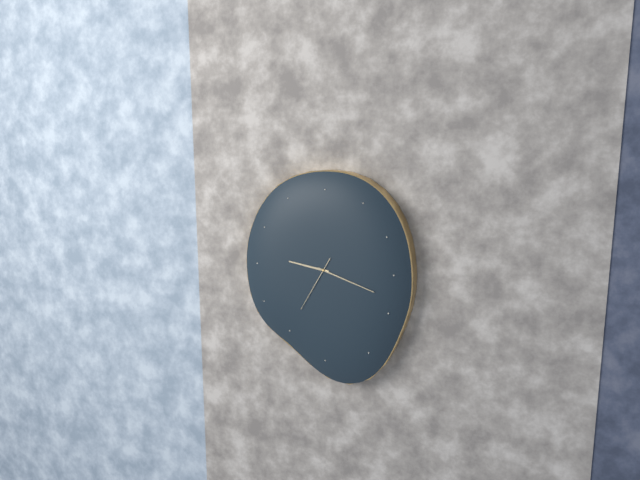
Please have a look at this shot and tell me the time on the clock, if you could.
9:18:35
